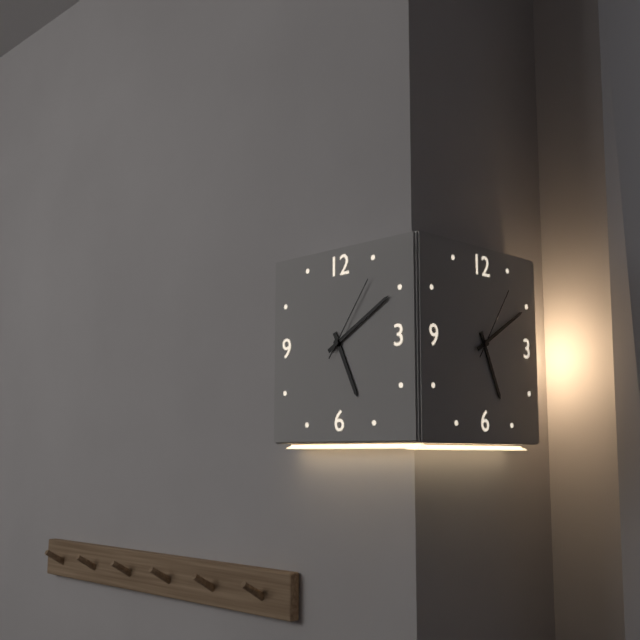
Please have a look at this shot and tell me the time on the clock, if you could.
5:10:06
